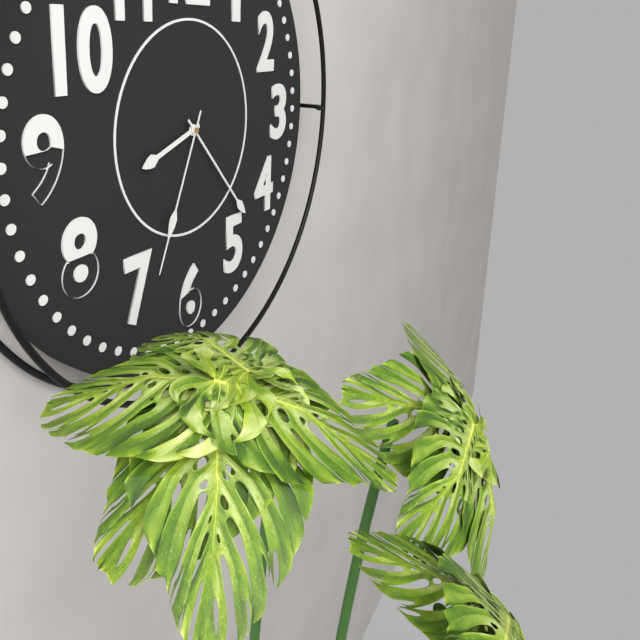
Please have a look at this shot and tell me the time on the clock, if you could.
8:23:34
